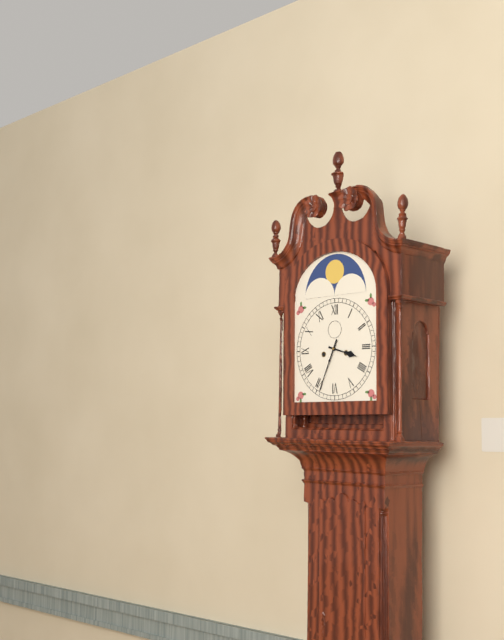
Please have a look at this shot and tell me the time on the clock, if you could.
3:34
